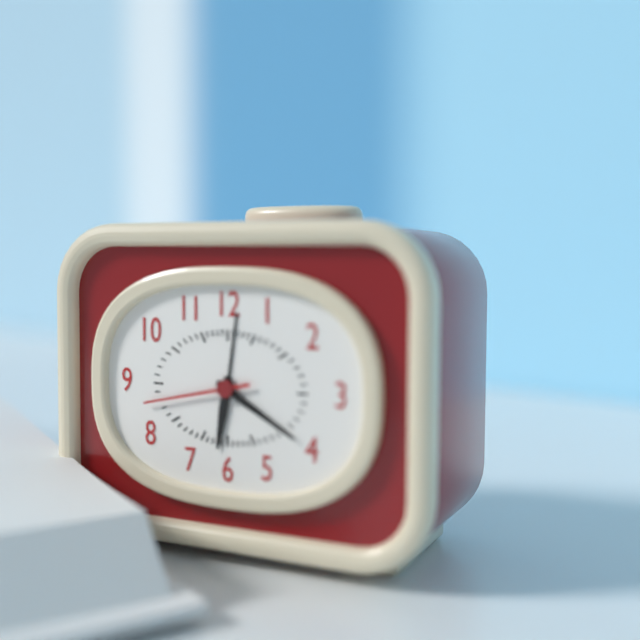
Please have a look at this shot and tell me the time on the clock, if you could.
6:20:43
